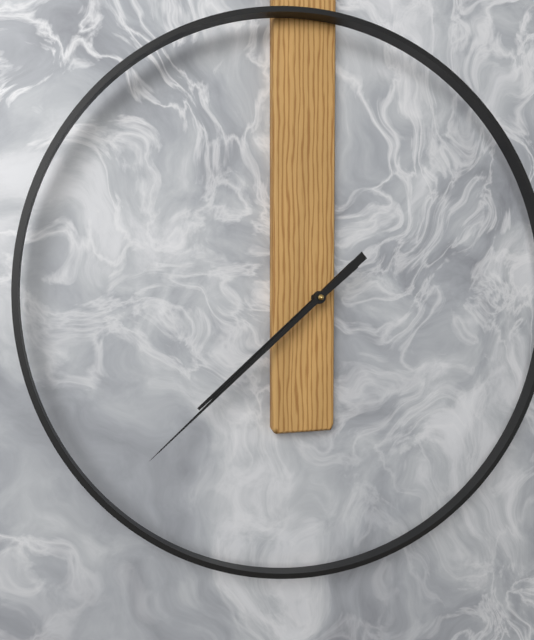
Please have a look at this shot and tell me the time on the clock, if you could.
7:38
